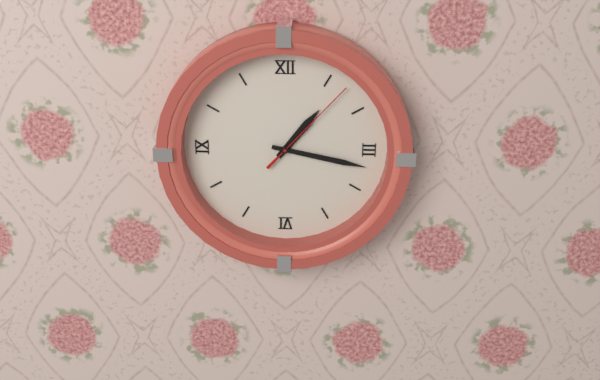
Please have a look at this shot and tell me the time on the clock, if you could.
1:17:07
